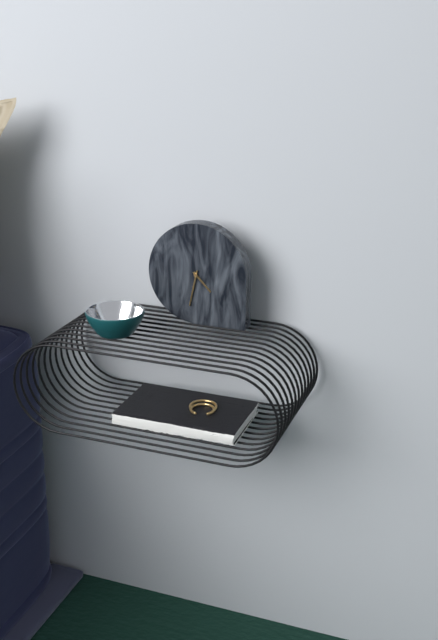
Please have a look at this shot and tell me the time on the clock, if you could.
4:32
